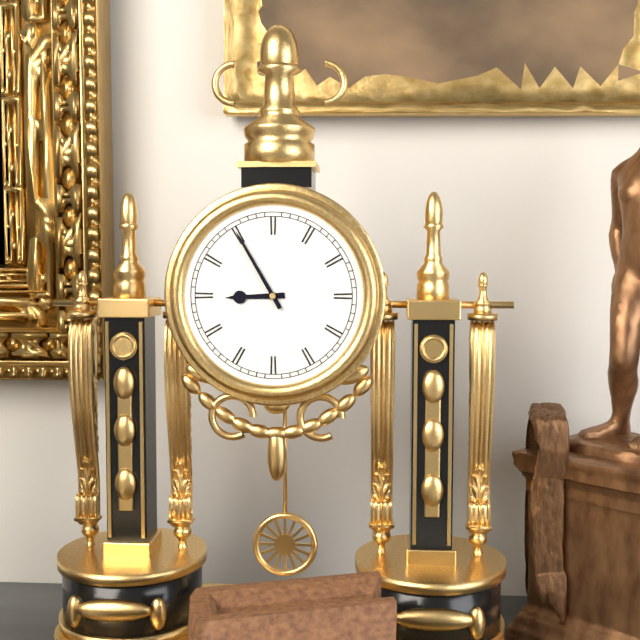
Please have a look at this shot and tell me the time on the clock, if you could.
8:55
